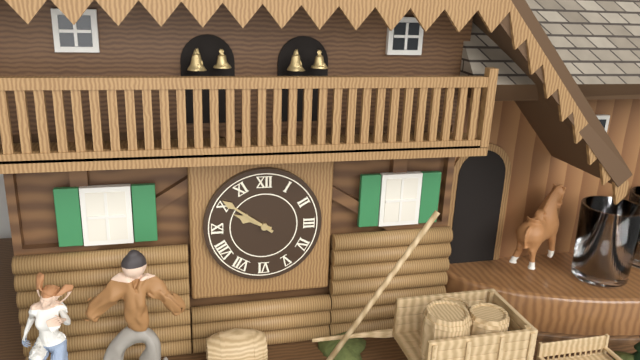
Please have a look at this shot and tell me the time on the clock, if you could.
9:51
